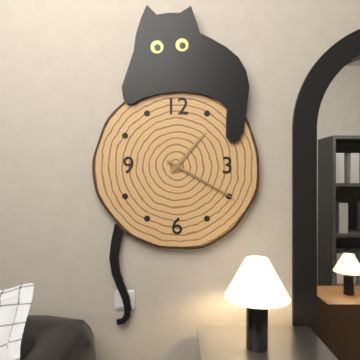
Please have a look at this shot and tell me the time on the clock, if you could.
1:20
